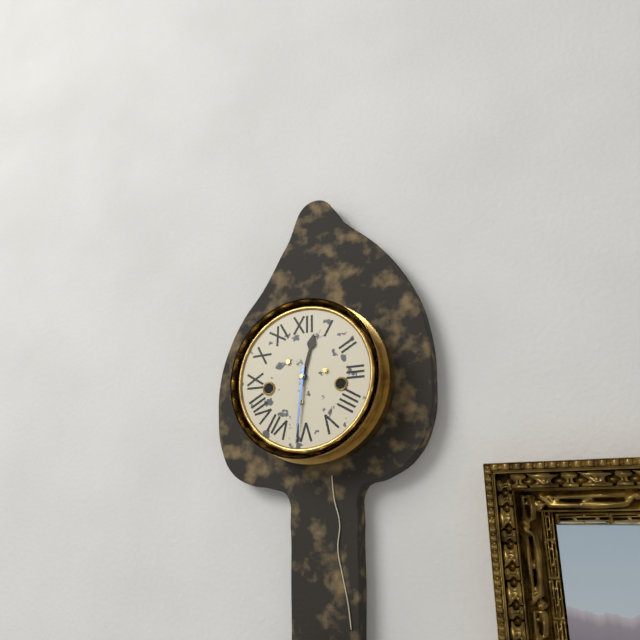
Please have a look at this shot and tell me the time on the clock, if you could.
12:31
